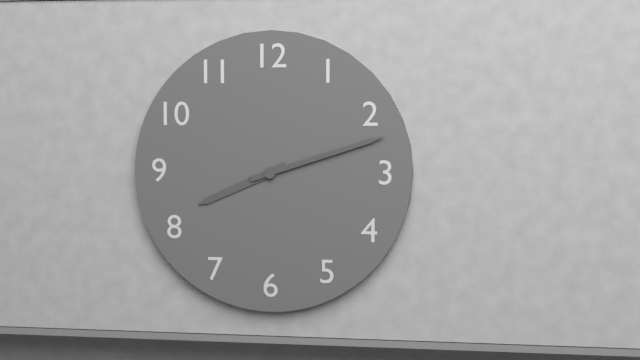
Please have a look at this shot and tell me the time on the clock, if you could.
8:12
